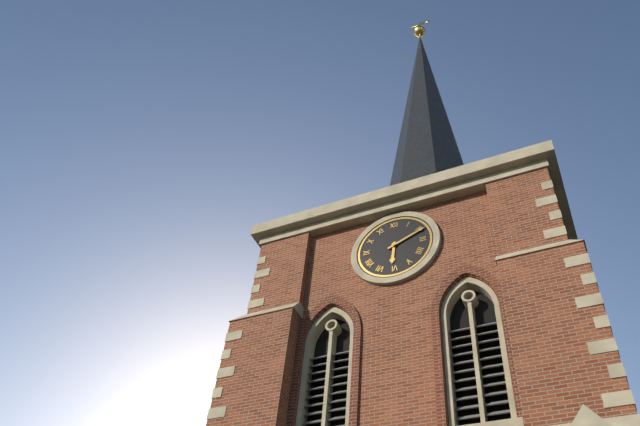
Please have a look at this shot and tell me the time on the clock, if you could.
6:11
